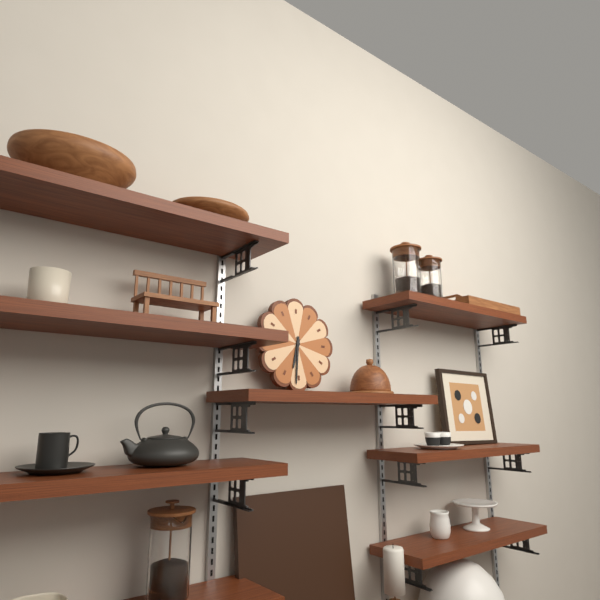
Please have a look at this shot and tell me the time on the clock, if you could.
6:31
